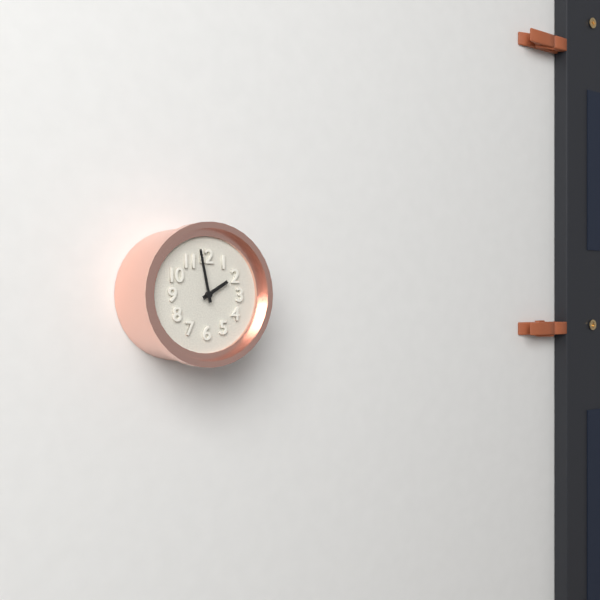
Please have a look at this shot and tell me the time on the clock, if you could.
1:58
